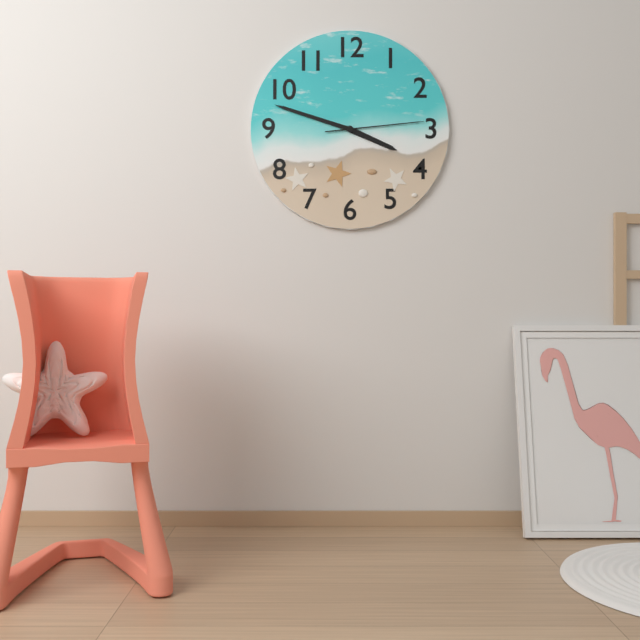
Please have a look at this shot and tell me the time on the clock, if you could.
3:48:14
